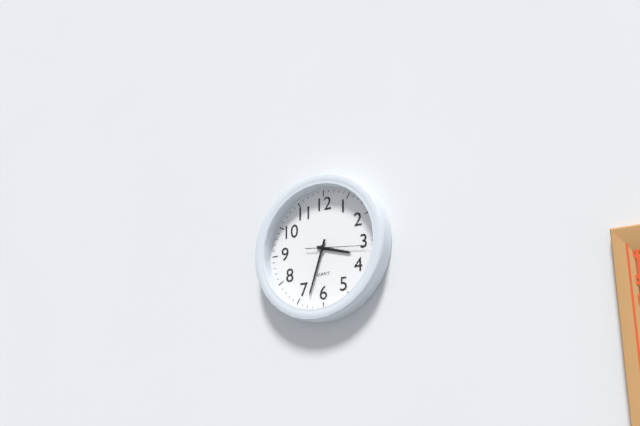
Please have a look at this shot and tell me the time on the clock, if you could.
3:33:16
